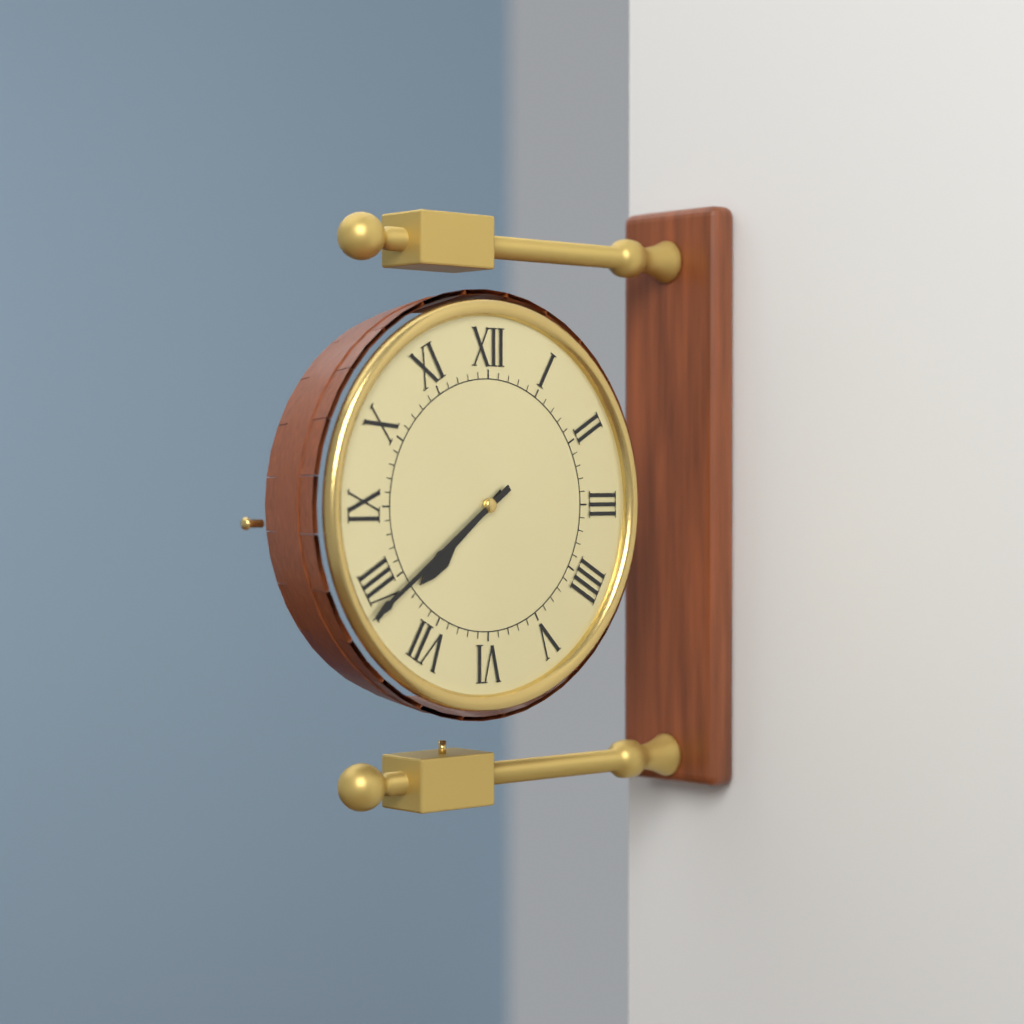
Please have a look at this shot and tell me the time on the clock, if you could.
7:39
